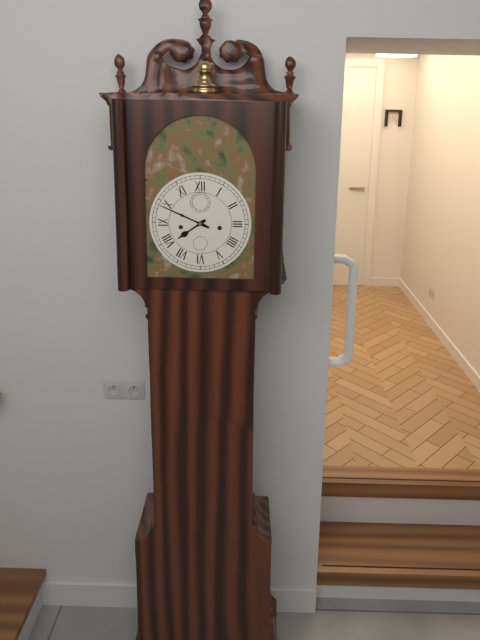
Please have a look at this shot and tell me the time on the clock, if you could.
7:49
